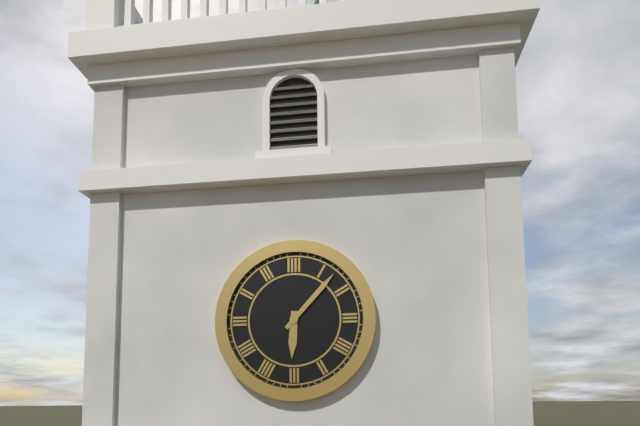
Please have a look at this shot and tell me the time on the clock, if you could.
6:07
